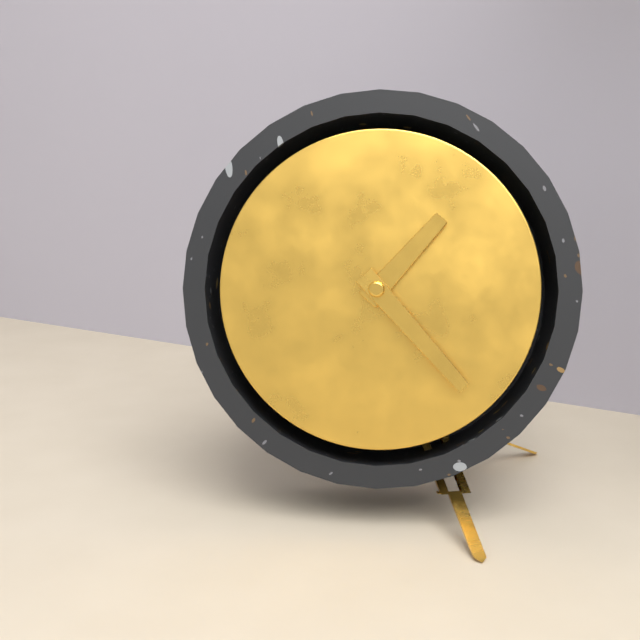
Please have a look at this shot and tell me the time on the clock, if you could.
1:23
